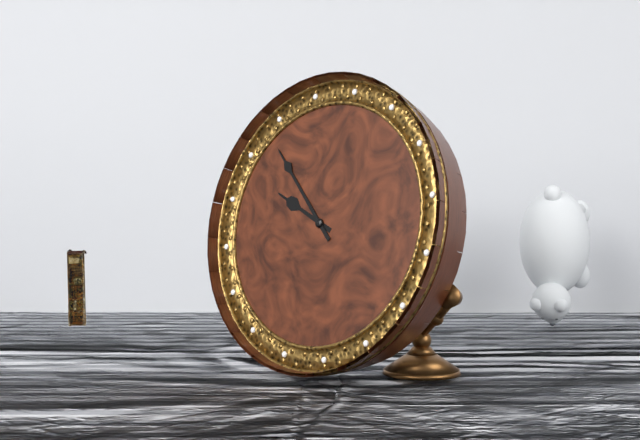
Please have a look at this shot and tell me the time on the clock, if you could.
9:53
